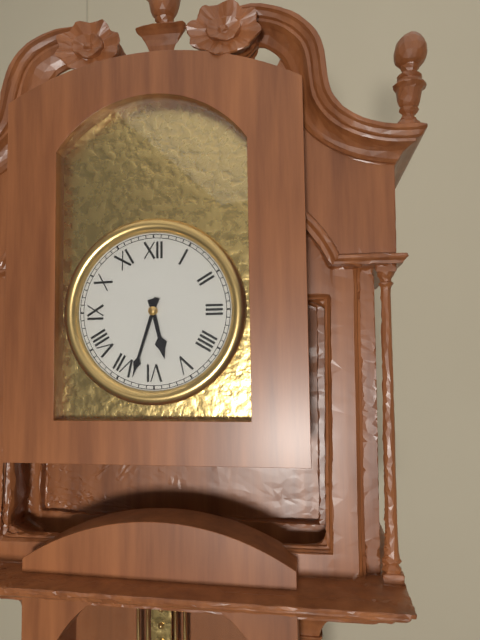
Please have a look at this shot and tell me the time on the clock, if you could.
5:33
